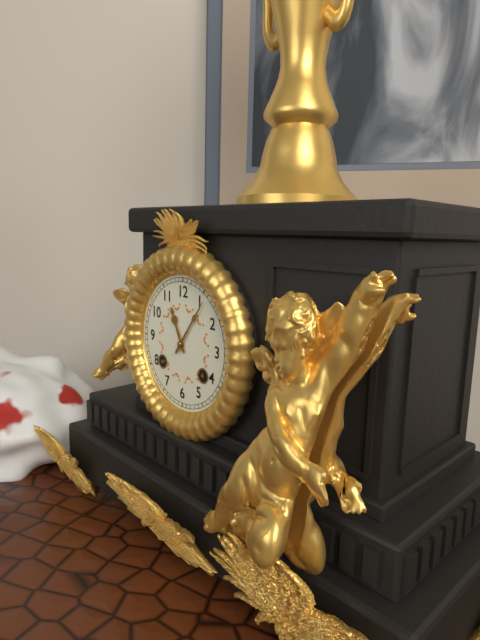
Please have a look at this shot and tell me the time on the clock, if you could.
11:06
